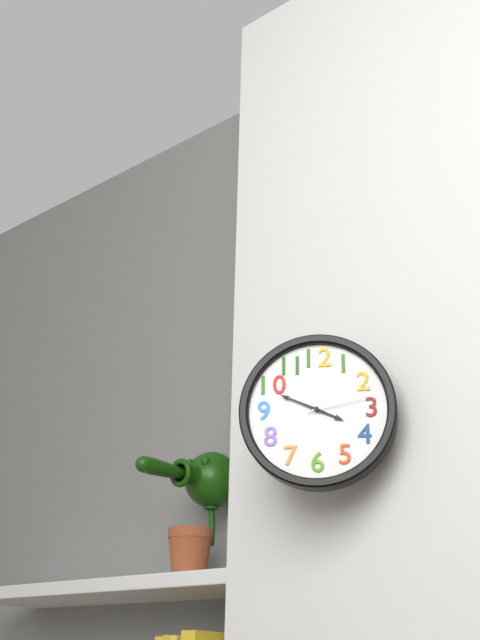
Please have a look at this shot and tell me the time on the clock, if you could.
3:49:13
